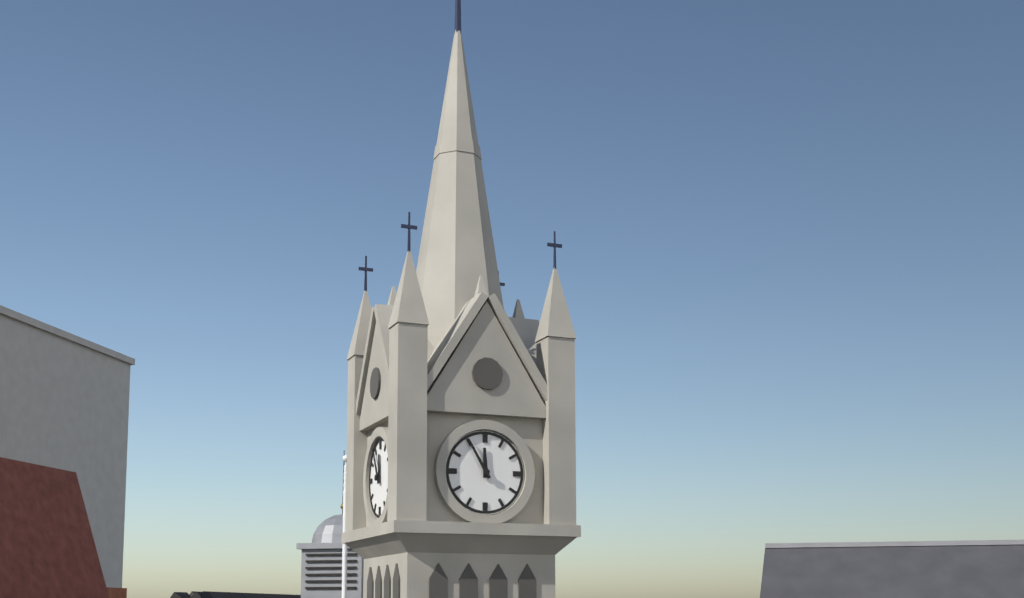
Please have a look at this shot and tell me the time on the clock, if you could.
11:55
